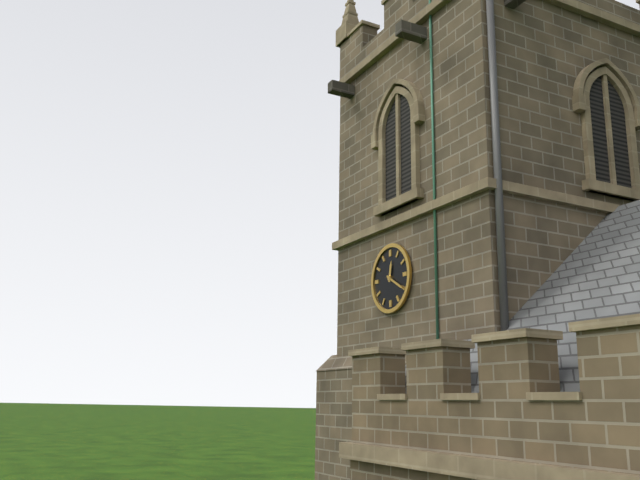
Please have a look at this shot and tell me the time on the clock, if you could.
12:20
